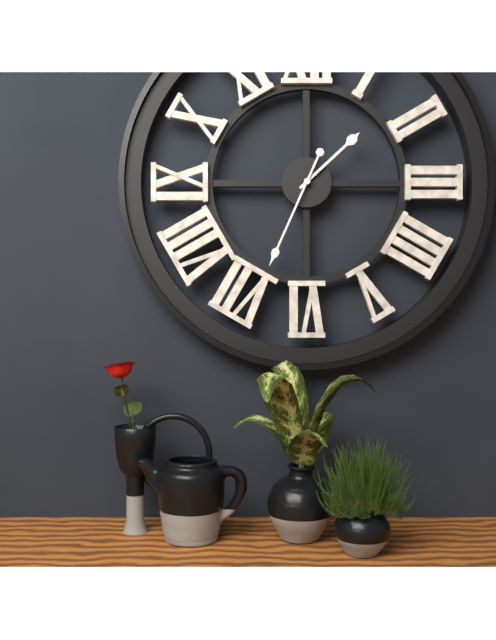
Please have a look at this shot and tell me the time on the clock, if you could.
1:34
